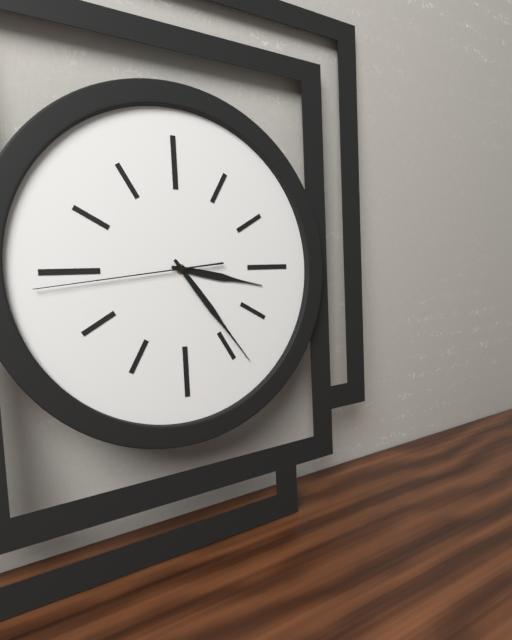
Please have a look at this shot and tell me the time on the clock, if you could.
3:24:44
